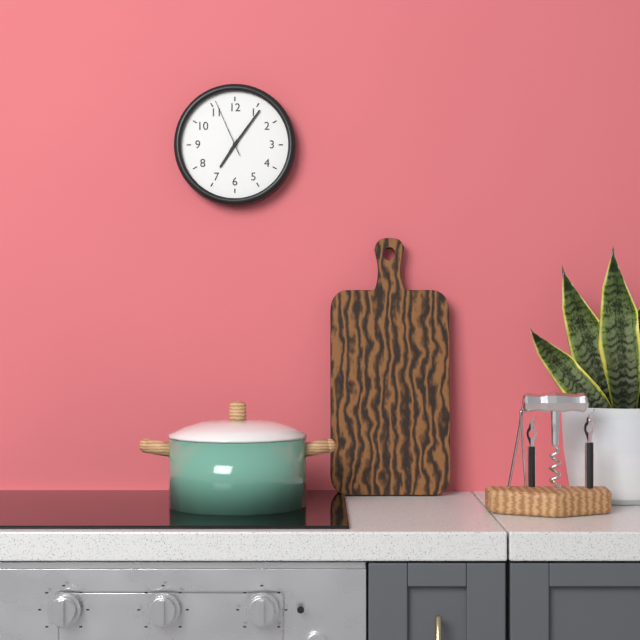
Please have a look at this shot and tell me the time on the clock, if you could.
7:06:56
